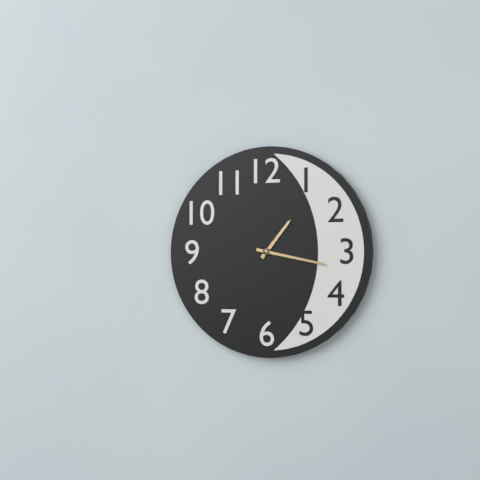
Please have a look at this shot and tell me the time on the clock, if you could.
1:17
